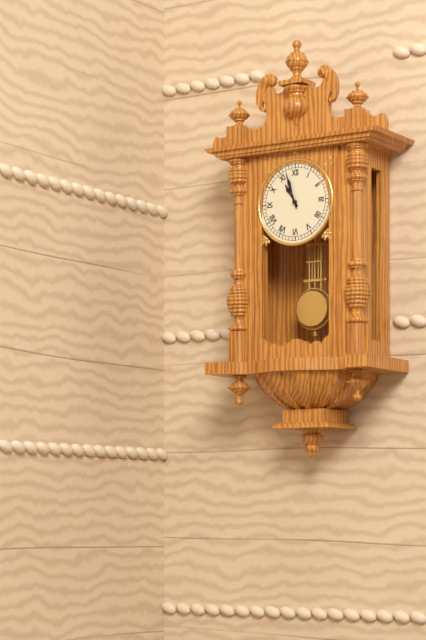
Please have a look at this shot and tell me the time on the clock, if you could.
10:57
